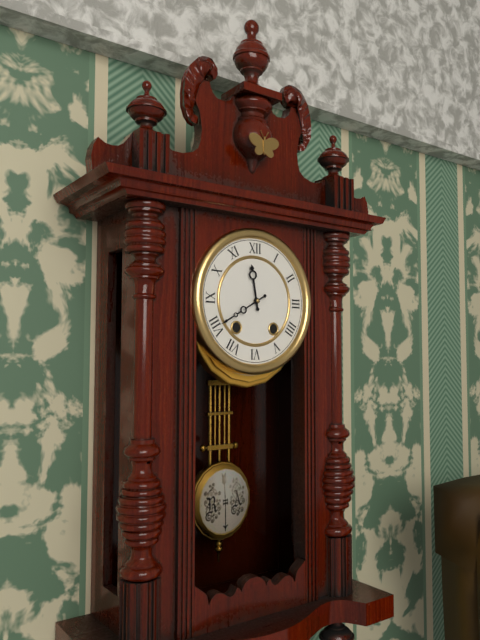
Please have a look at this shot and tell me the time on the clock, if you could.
11:40
